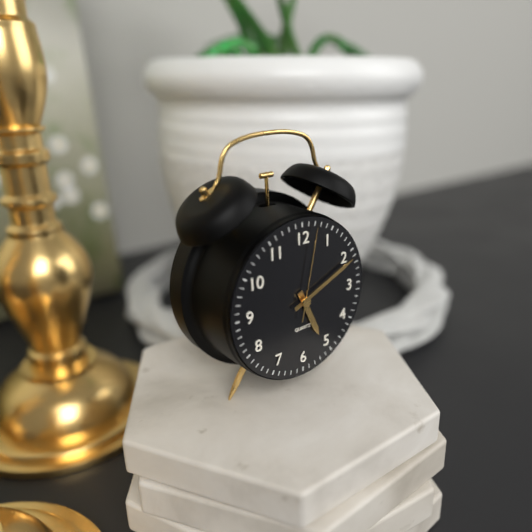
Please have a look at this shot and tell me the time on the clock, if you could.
5:11:02
